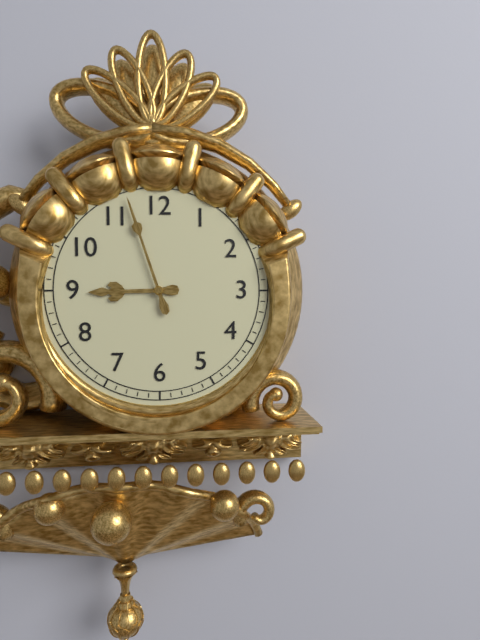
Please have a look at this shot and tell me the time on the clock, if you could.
8:57
